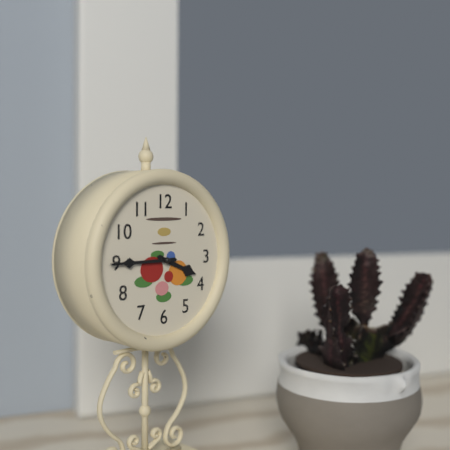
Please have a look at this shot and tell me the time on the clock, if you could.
3:45
